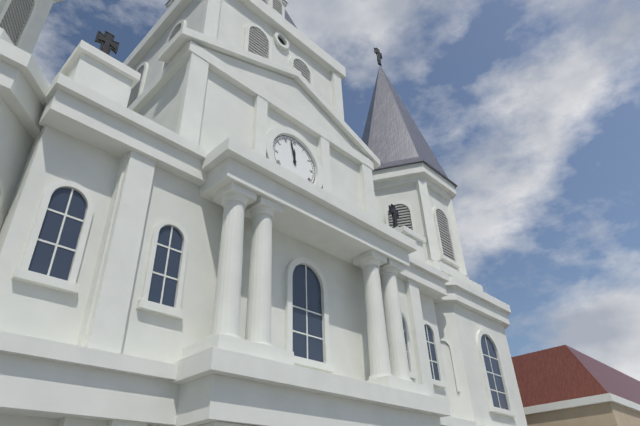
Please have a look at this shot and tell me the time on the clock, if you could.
11:58
